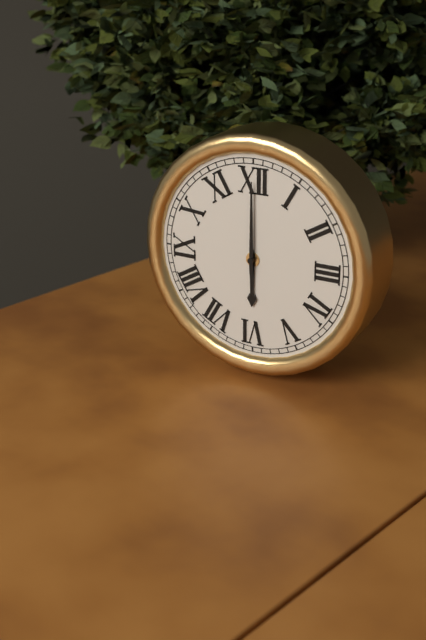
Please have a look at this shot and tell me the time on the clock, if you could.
6:00
